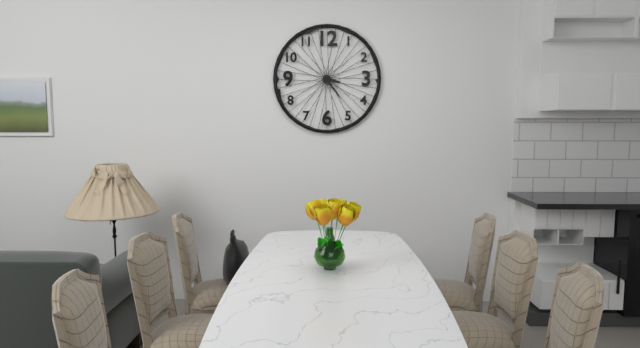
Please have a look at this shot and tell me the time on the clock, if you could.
3:24
